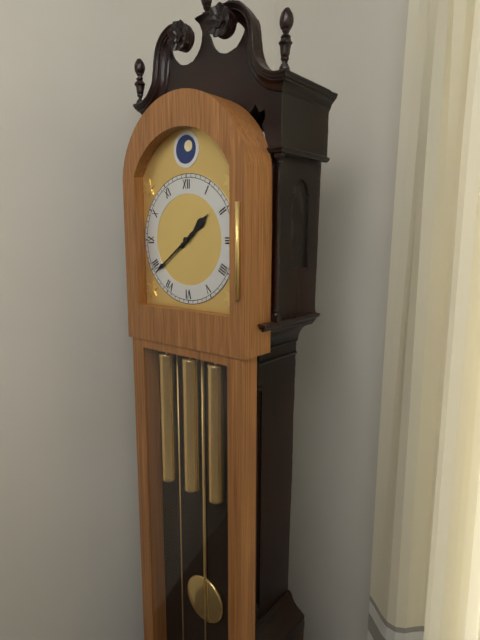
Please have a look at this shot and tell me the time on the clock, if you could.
1:39
